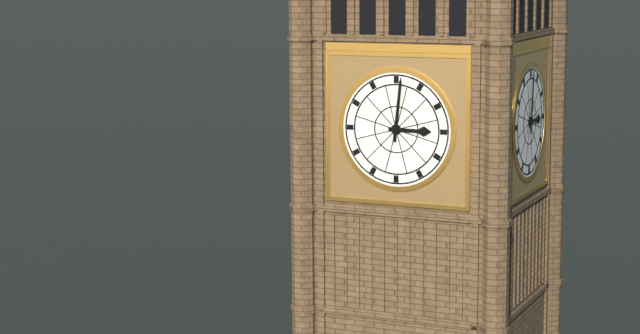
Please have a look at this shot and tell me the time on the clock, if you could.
3:01
